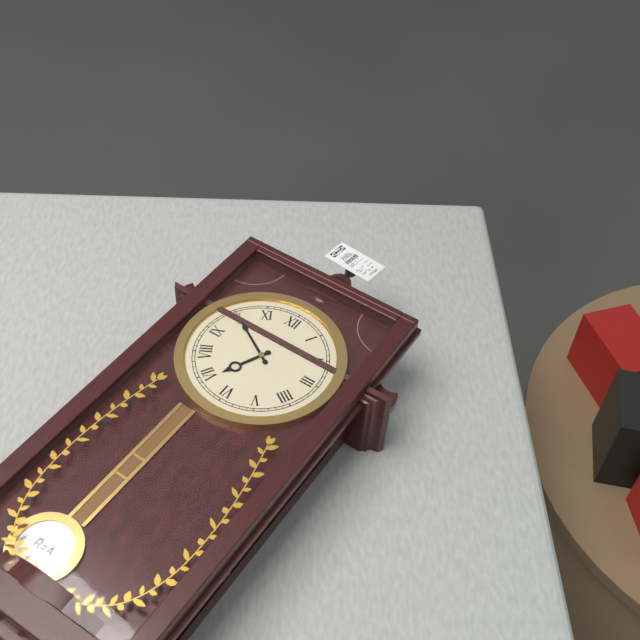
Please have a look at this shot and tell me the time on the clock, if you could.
6:50
